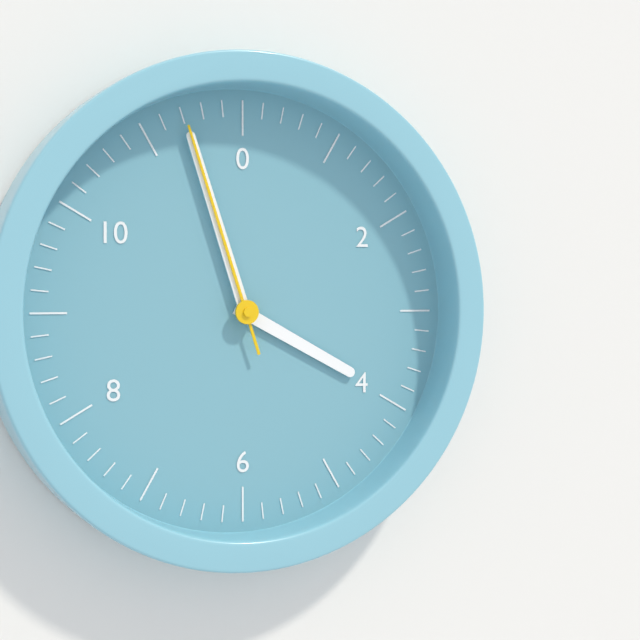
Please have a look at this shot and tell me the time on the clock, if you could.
3:57:57
